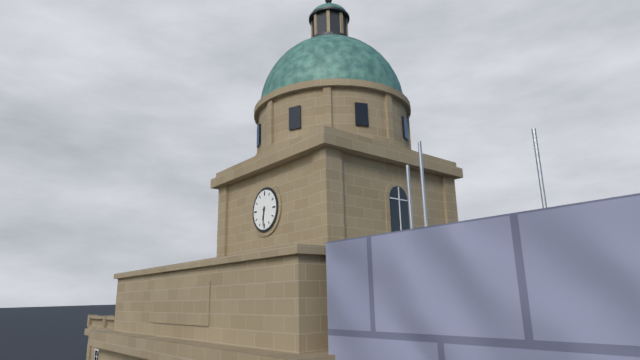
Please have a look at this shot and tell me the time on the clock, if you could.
6:31
